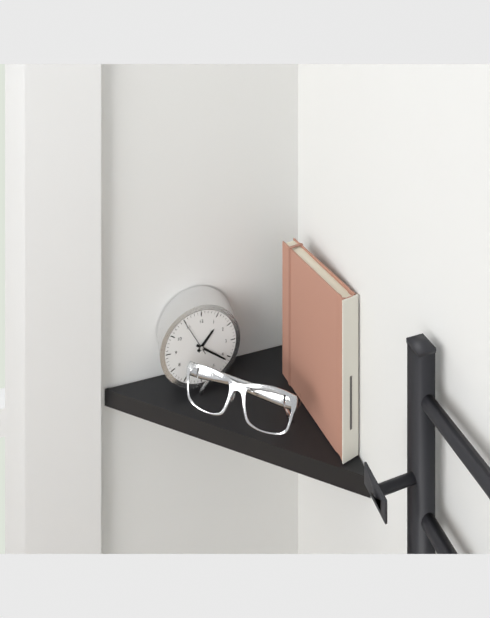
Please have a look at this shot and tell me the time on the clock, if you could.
1:21
